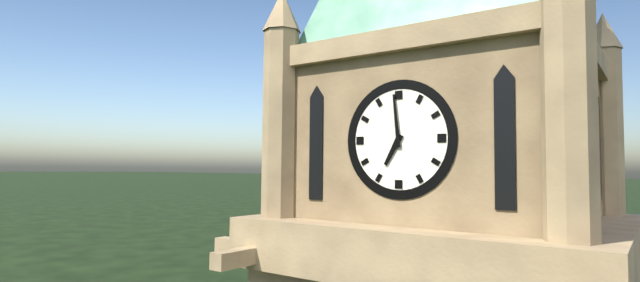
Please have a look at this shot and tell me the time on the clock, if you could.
6:59
